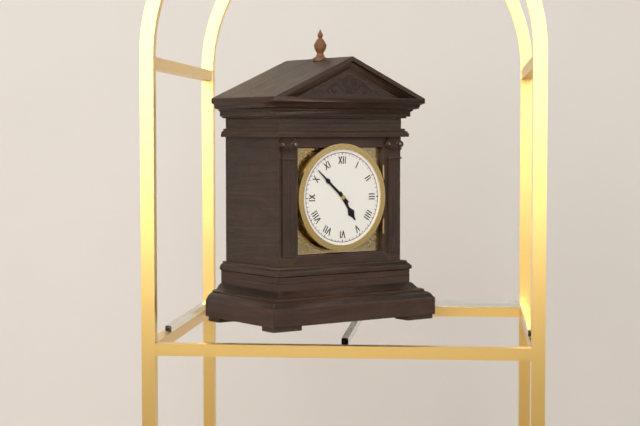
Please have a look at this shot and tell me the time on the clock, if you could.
4:52
